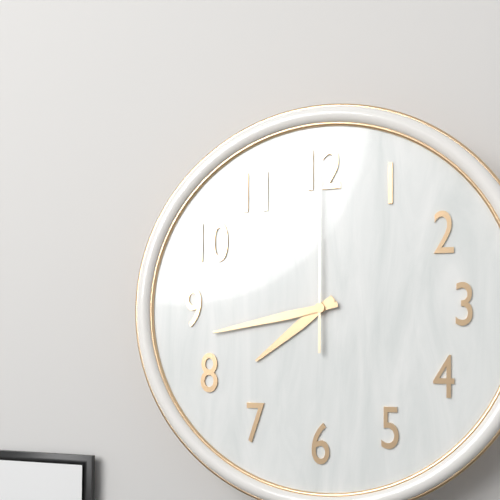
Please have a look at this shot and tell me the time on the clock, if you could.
7:43:00
